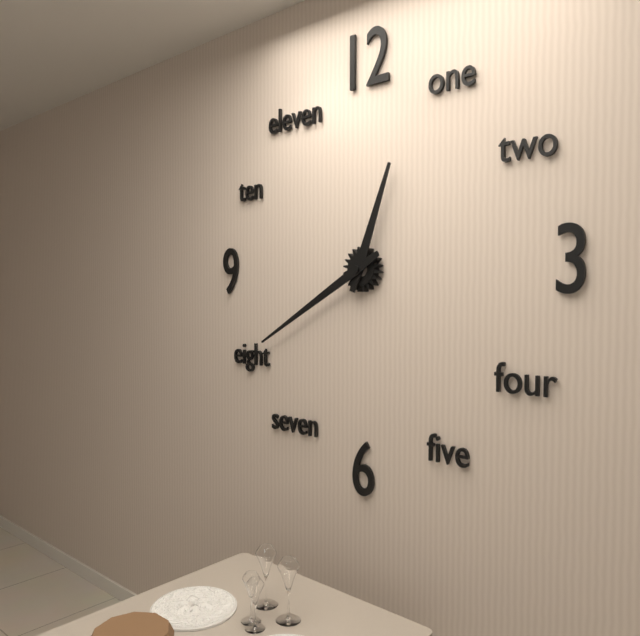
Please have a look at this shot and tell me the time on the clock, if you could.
12:40
